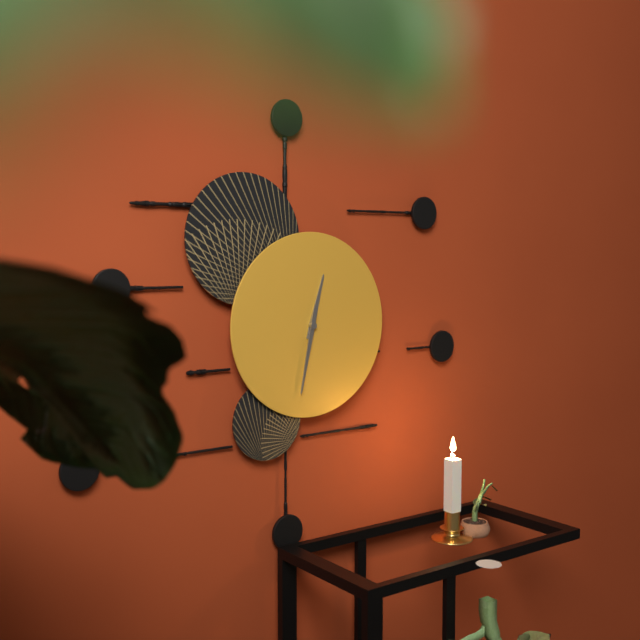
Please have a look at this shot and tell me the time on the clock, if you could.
12:32
